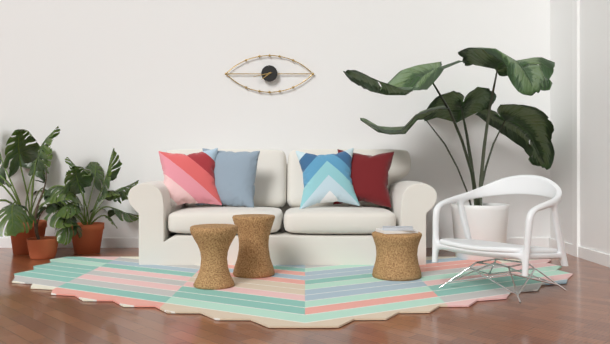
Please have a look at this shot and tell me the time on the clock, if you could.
7:43
